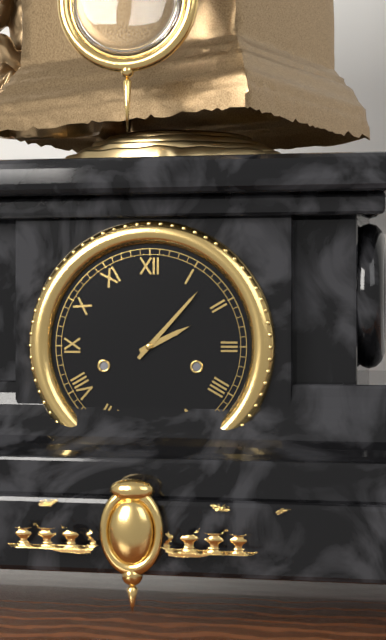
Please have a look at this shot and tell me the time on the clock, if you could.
2:07
